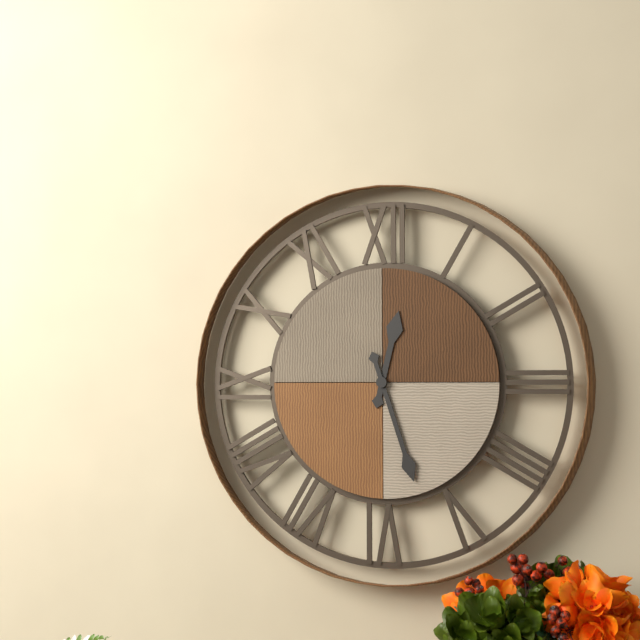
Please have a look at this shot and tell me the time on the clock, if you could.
12:27
